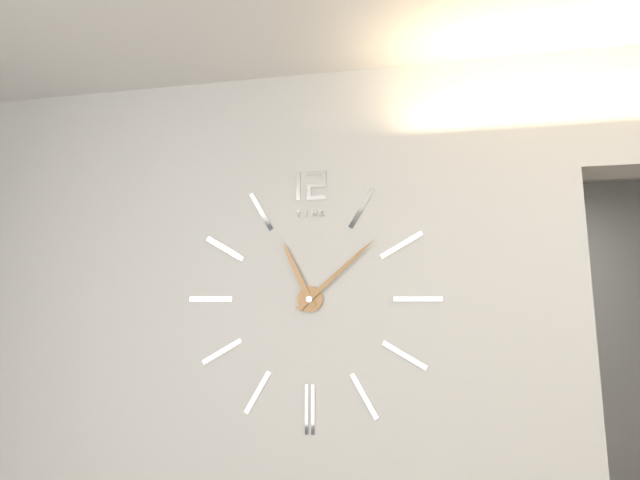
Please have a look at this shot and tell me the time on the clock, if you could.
11:08
